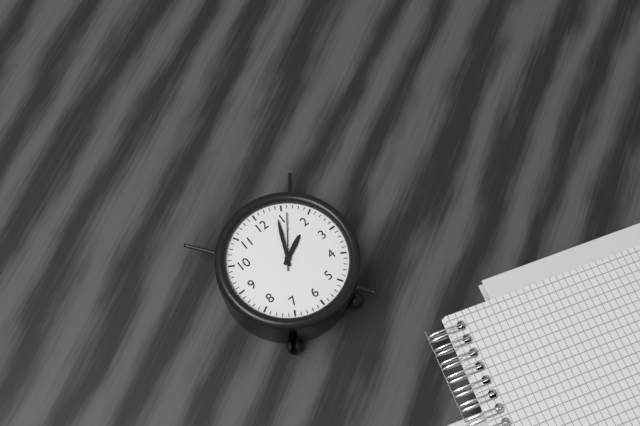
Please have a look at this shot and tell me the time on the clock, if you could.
2:04:06
